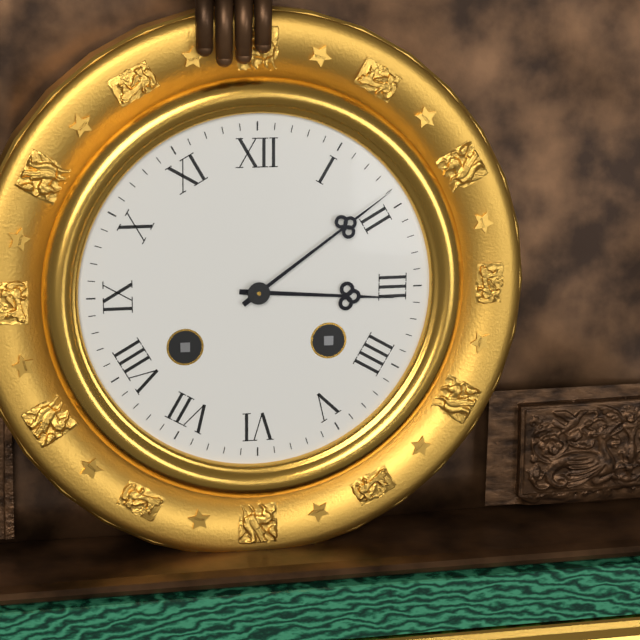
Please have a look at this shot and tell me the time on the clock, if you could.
3:09
